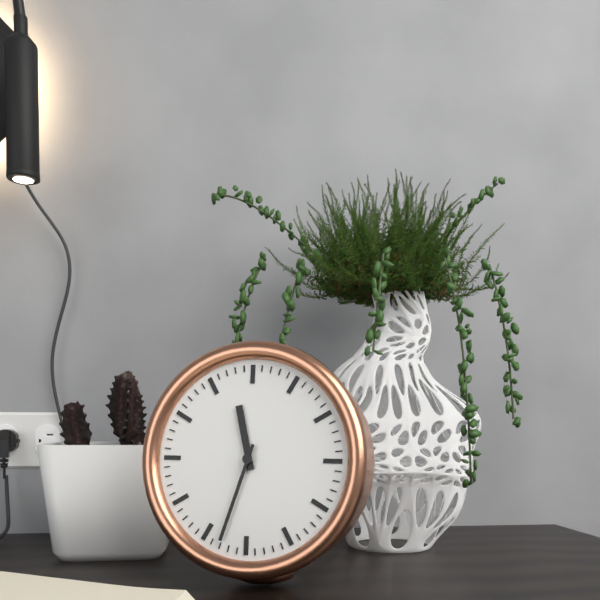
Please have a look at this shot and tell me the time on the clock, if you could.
11:33
